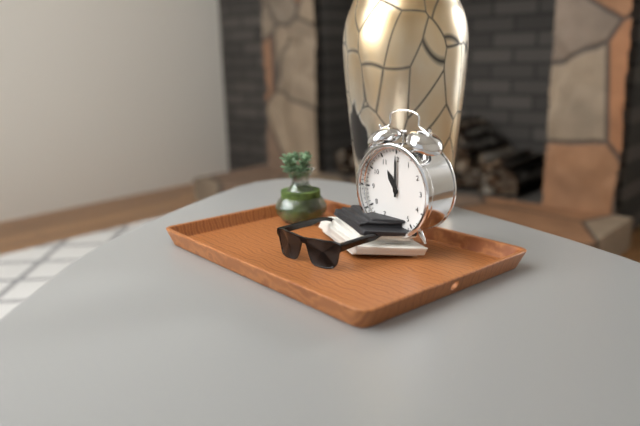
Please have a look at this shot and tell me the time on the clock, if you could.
11:00
